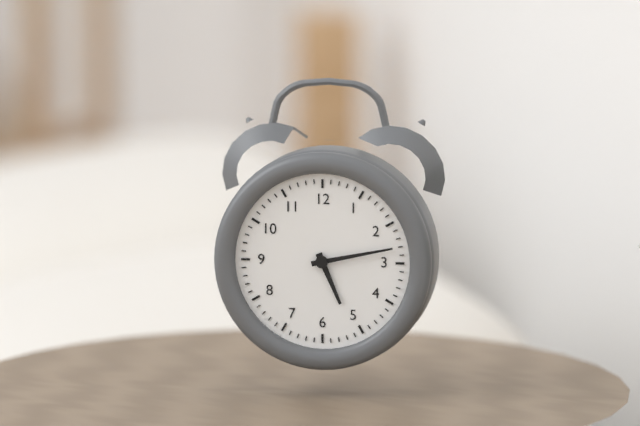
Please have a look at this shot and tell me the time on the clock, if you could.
5:13
